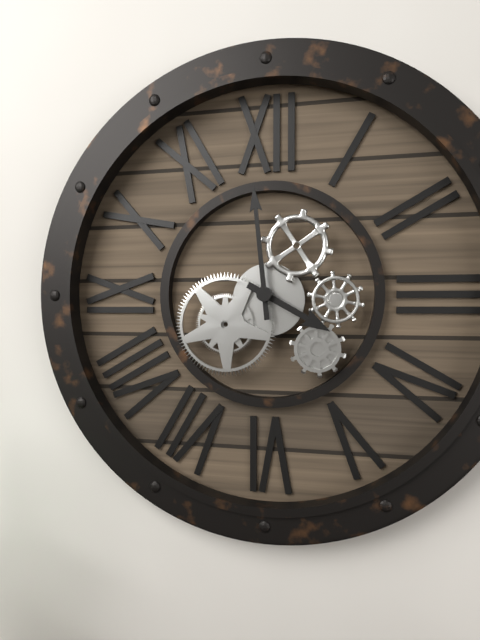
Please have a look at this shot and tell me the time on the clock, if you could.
3:59
